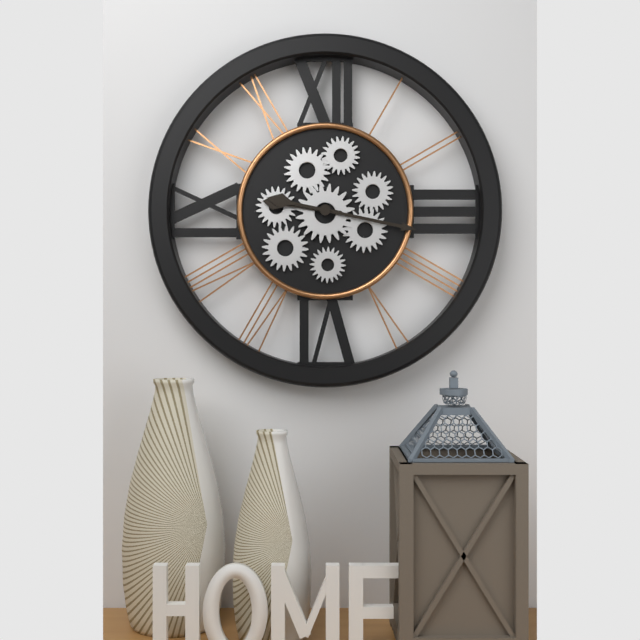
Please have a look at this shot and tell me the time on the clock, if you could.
9:17
